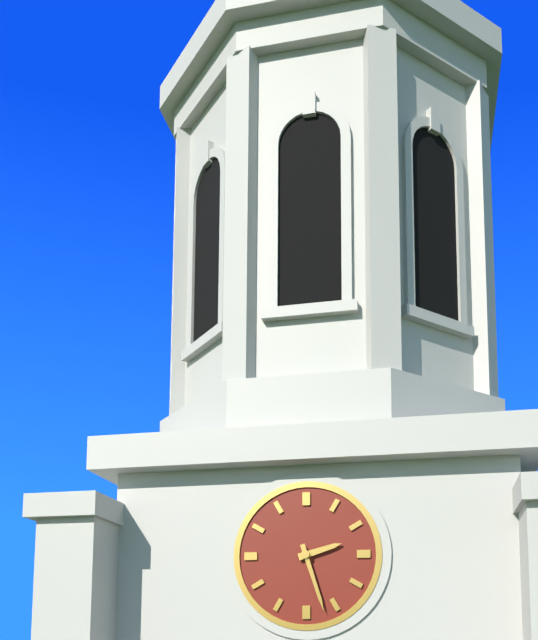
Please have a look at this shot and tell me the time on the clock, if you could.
2:27
